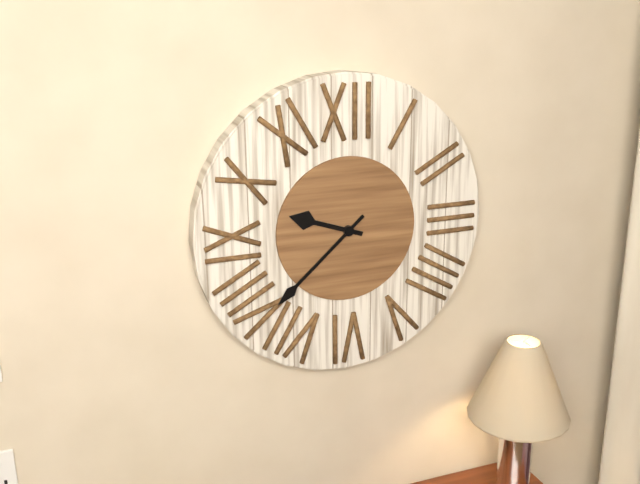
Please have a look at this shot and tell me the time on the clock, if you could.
9:38
